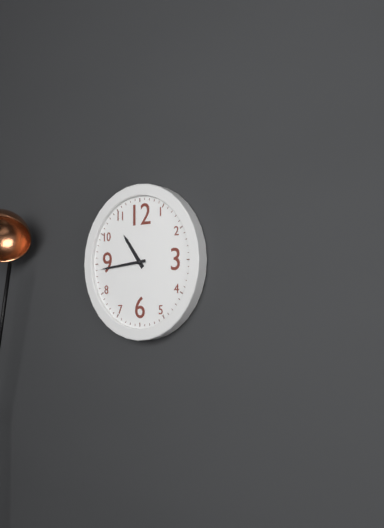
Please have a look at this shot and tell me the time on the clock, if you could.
10:44
